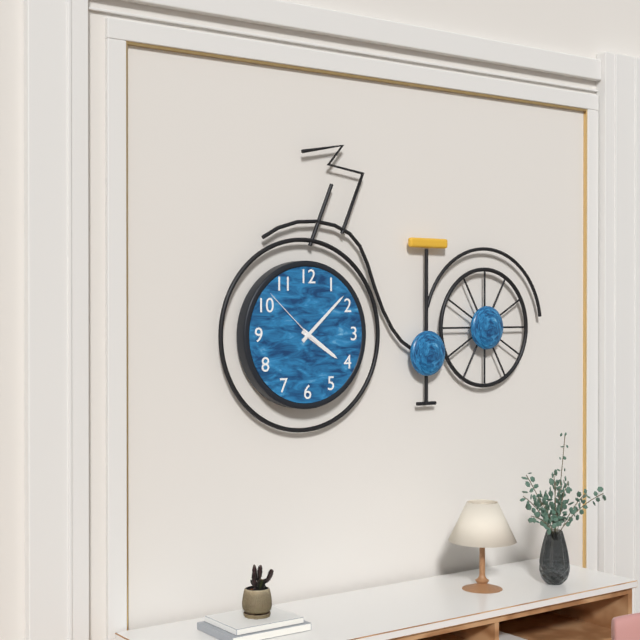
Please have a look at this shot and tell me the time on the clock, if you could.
4:08:52
